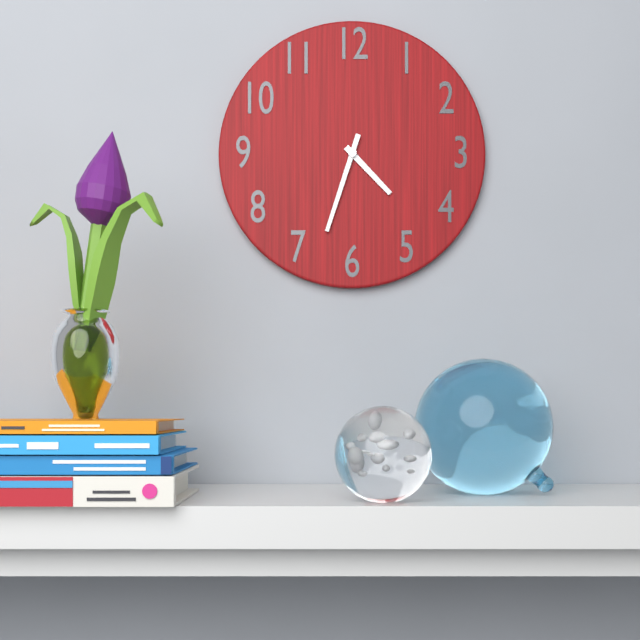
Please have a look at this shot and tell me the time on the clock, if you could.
4:33
